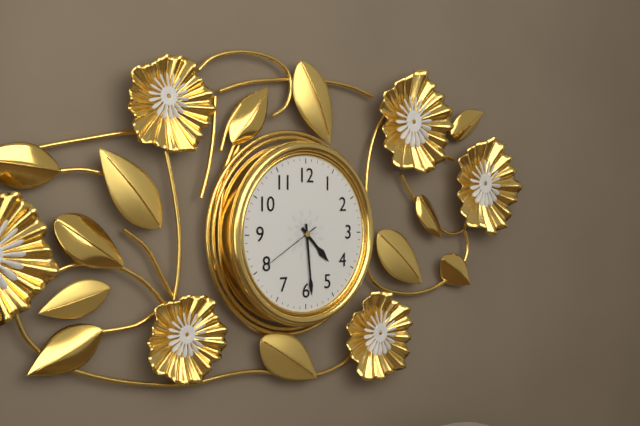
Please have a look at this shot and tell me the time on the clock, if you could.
4:29:40
